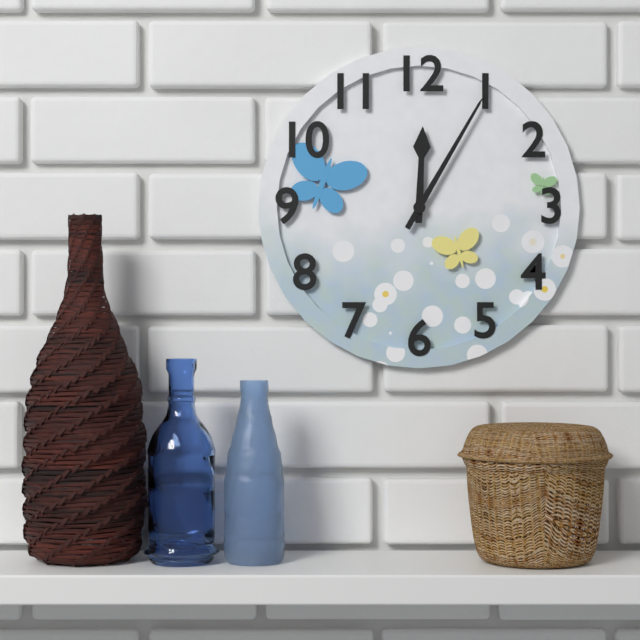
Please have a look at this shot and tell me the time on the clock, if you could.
12:05
